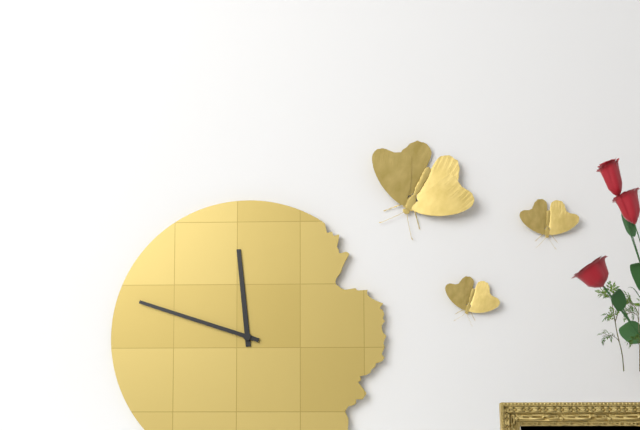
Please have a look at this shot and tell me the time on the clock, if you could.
11:48
